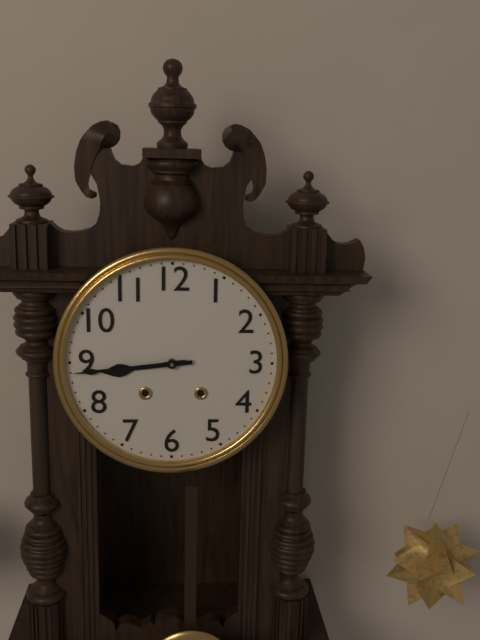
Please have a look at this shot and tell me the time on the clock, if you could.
8:44
